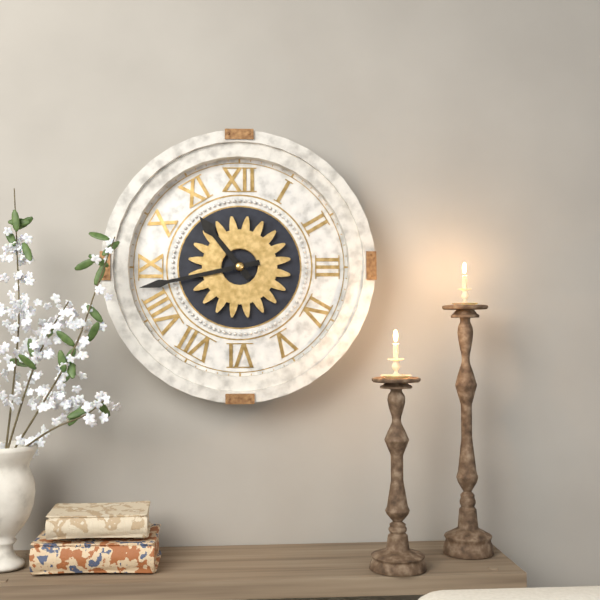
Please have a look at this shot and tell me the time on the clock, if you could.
10:43
